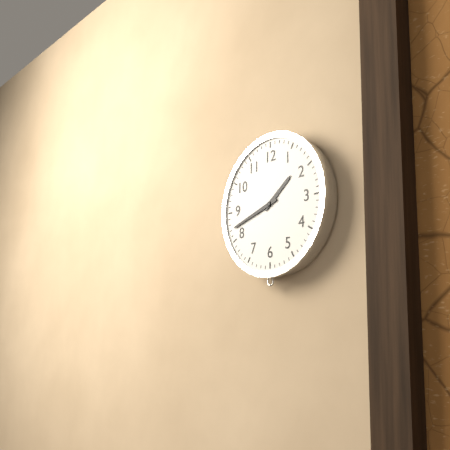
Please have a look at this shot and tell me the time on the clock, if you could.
1:42
